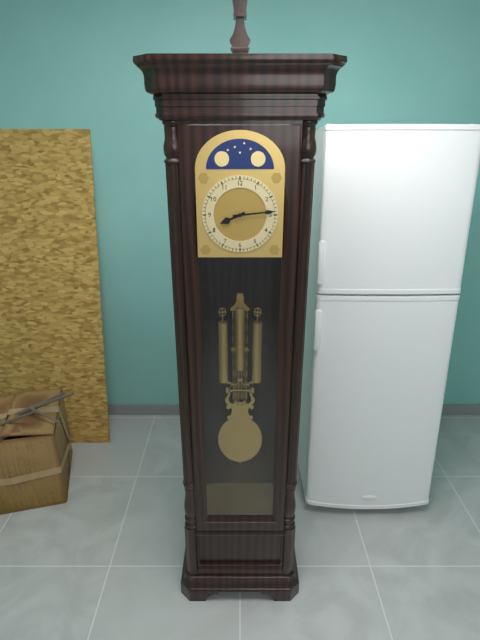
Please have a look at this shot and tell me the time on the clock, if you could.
8:14
